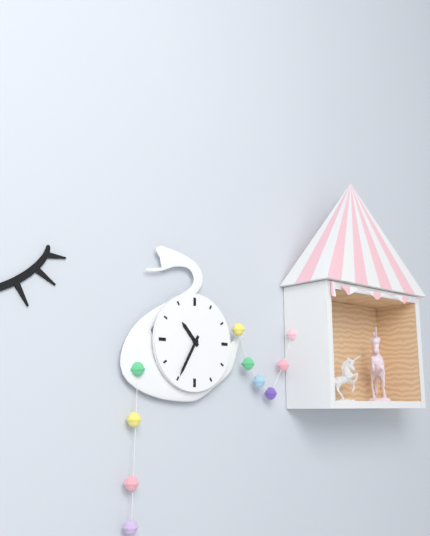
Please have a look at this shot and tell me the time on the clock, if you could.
10:35
